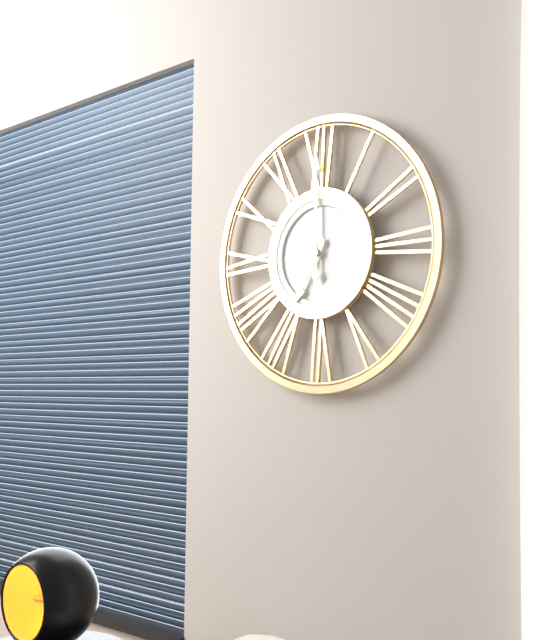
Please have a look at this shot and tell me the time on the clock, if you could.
7:00
